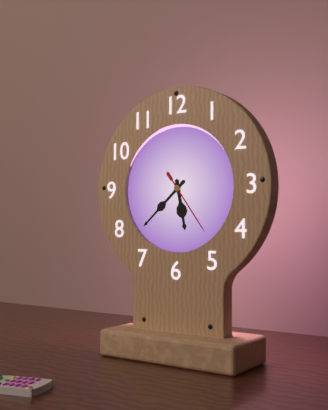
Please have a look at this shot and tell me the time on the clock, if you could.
5:38:24
